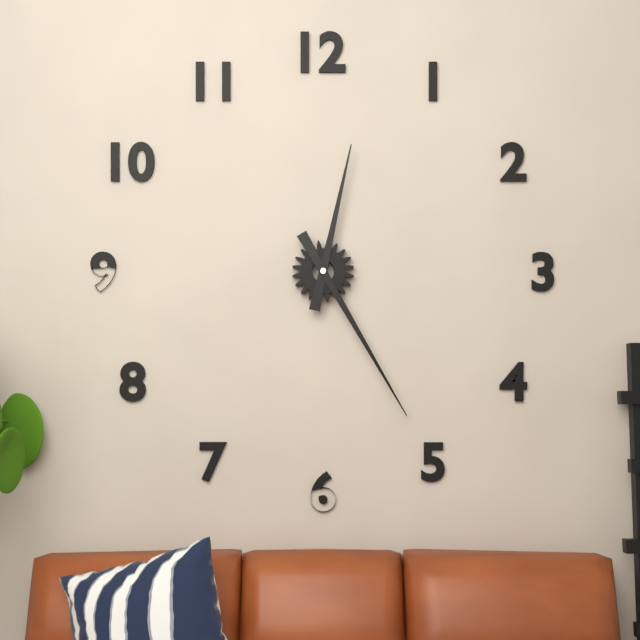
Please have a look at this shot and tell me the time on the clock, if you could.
12:25
